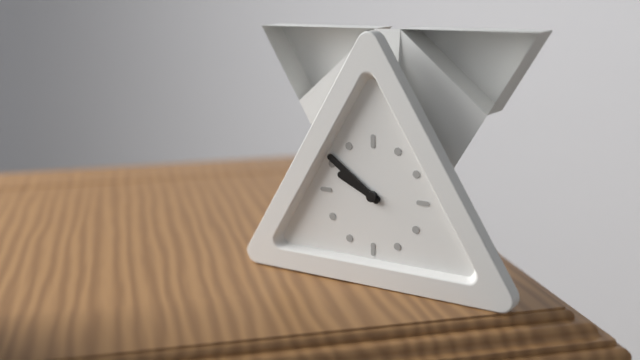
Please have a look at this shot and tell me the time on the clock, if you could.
9:51
